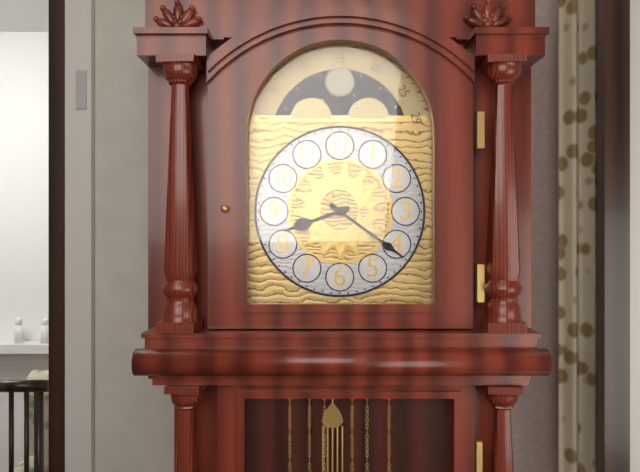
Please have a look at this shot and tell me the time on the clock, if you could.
8:21
